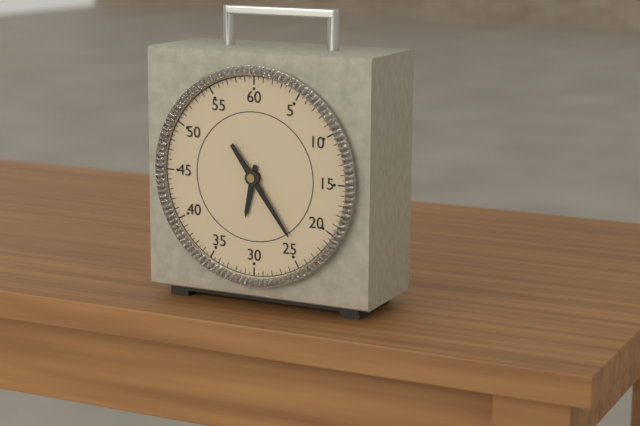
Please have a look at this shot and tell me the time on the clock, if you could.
6:24
